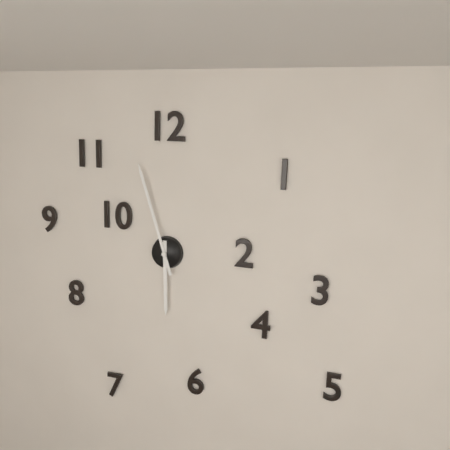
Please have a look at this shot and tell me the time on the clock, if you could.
5:57
